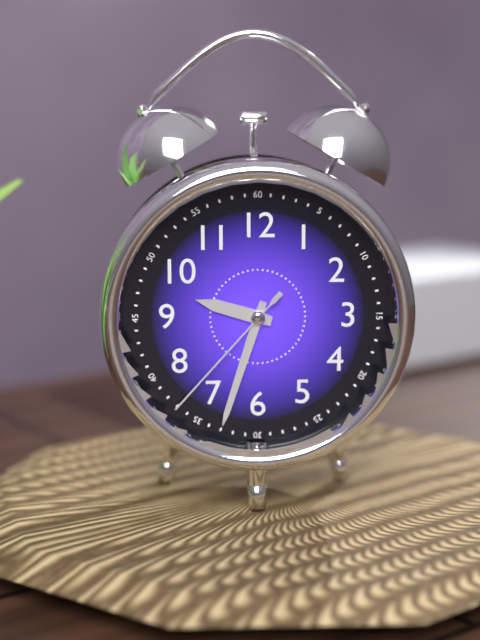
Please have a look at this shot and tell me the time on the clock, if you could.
9:33:37
